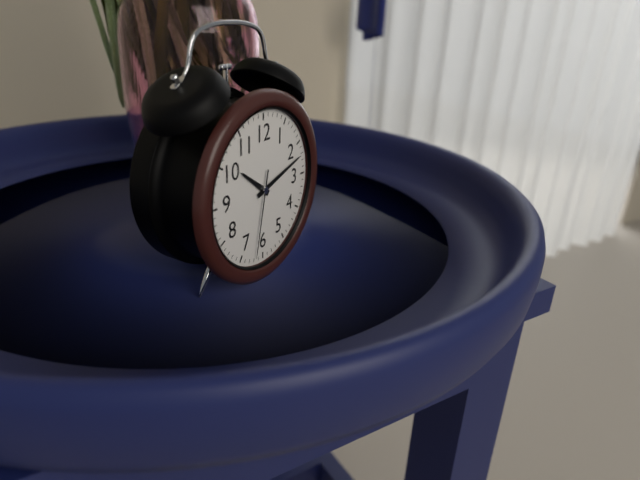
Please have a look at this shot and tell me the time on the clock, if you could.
10:12:32
